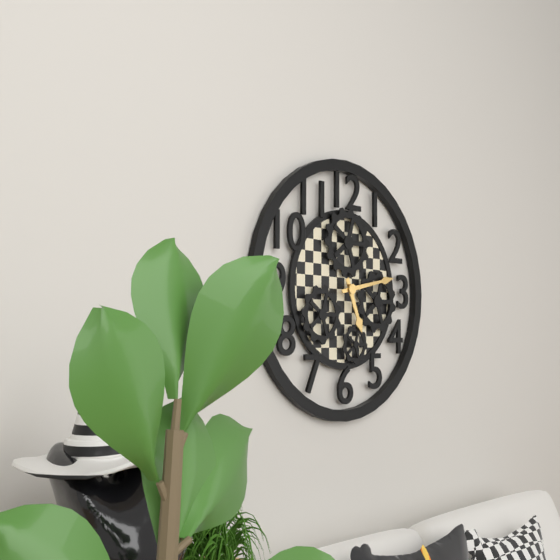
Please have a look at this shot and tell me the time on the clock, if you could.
5:13
